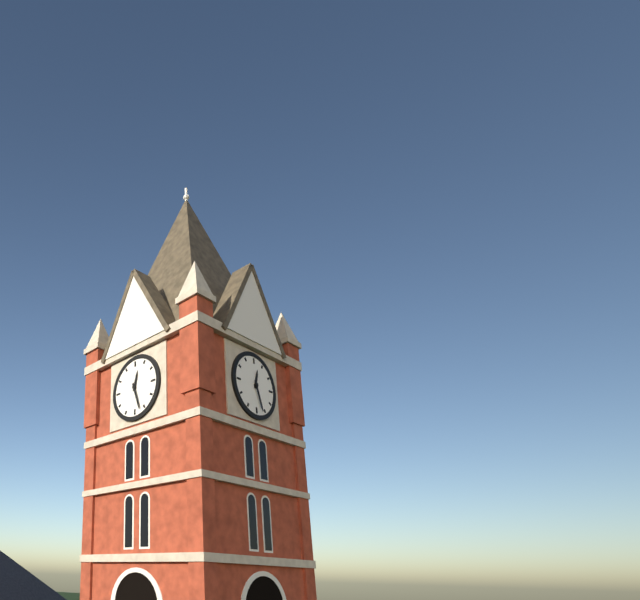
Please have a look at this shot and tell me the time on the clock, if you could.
12:27
